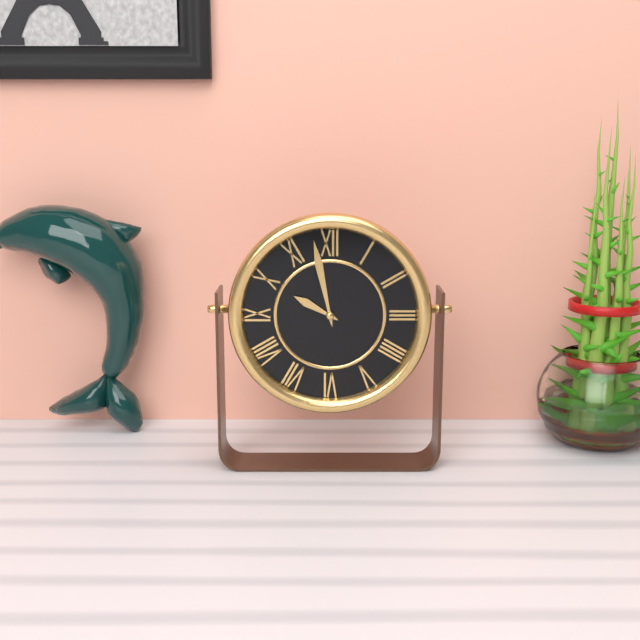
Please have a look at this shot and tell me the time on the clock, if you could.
9:58
